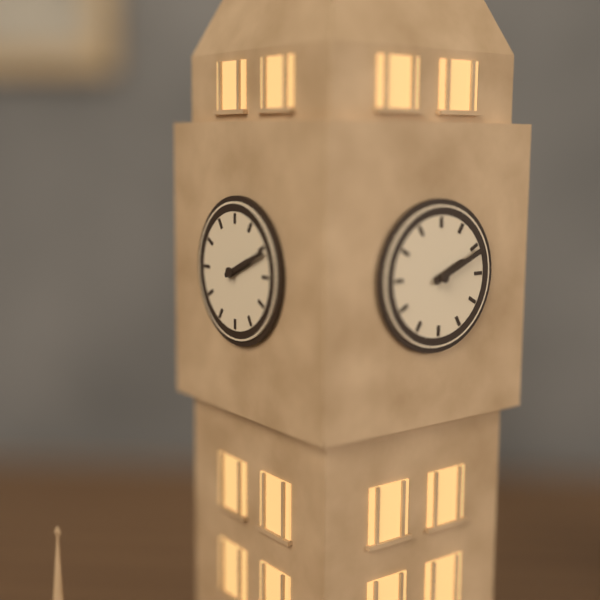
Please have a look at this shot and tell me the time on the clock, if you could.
2:11
